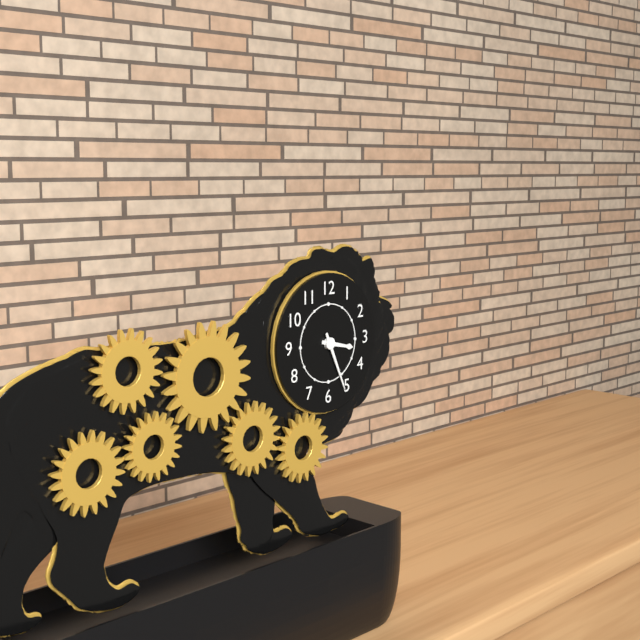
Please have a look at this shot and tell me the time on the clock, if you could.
3:26
